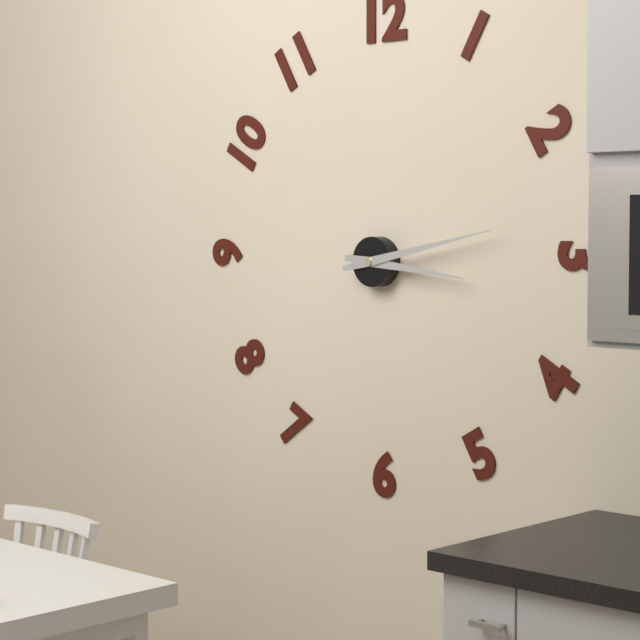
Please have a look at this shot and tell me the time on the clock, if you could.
3:13
